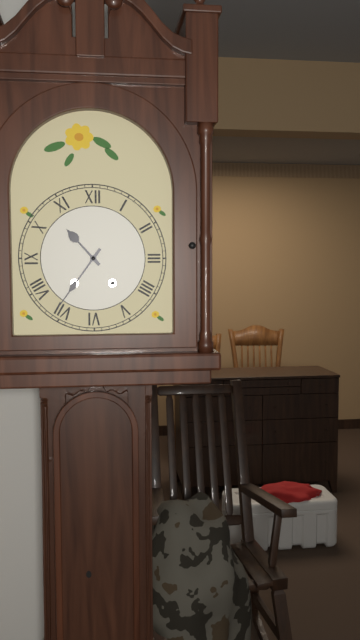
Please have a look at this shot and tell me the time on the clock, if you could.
10:36
